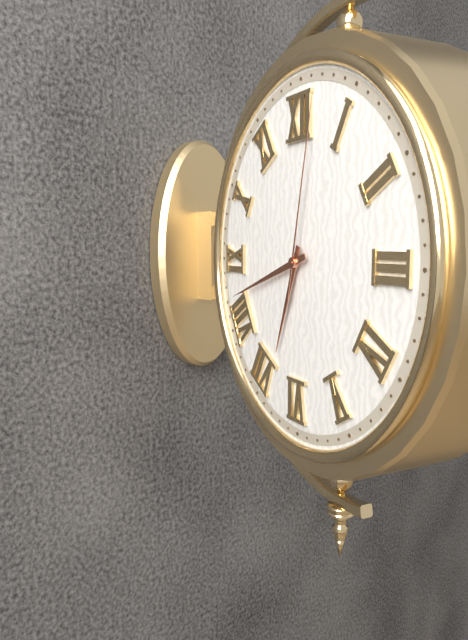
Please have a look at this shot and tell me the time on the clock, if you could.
6:42:02
